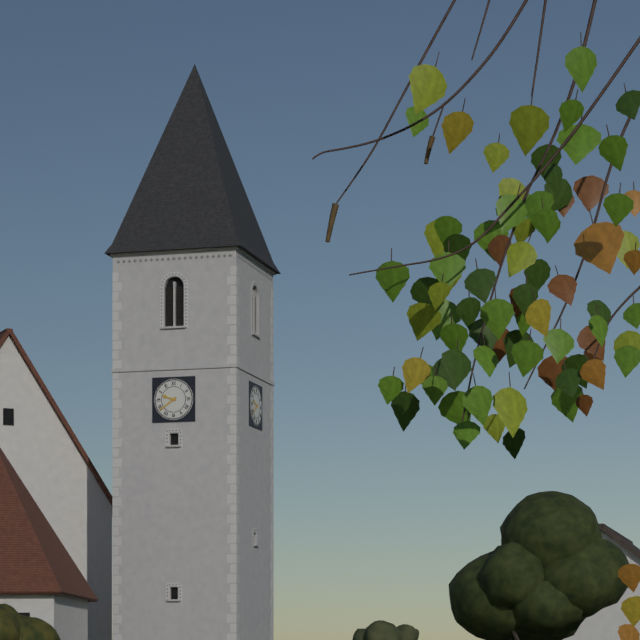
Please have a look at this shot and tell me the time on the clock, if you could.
9:39
